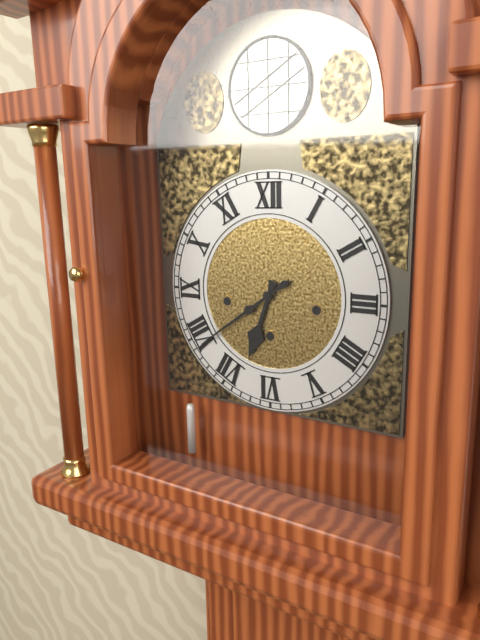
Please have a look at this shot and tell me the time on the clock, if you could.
6:39
